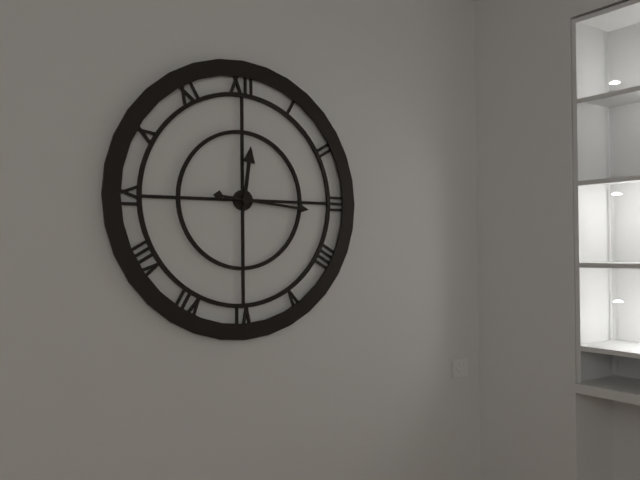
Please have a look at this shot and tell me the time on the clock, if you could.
12:16
